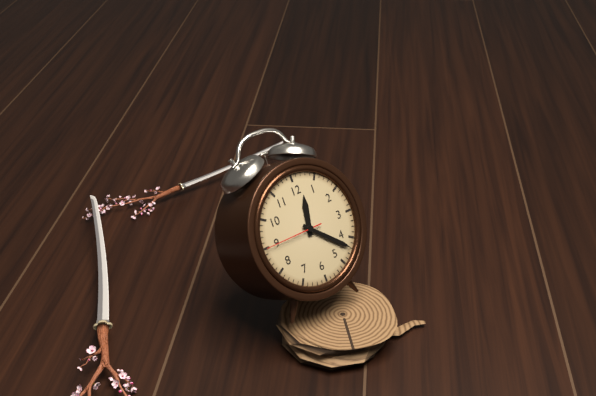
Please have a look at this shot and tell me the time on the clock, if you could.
12:22:45
